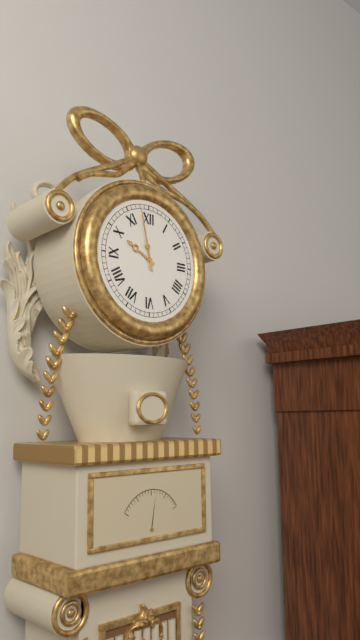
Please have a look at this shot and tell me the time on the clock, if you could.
9:58
